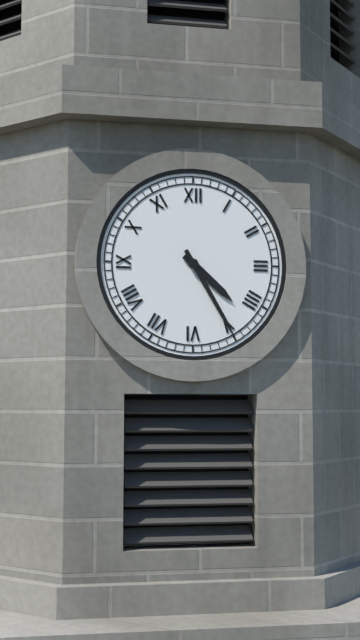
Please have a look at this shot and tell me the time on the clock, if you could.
4:25
